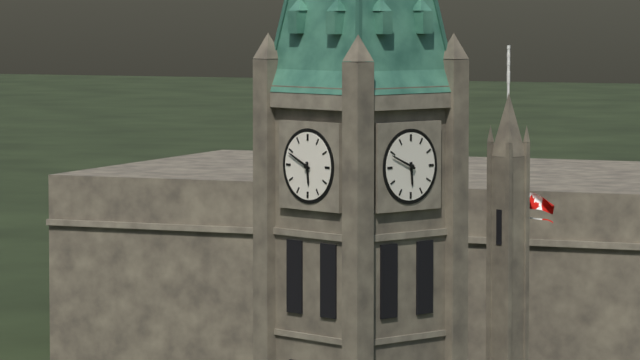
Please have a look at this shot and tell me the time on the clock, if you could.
5:49
